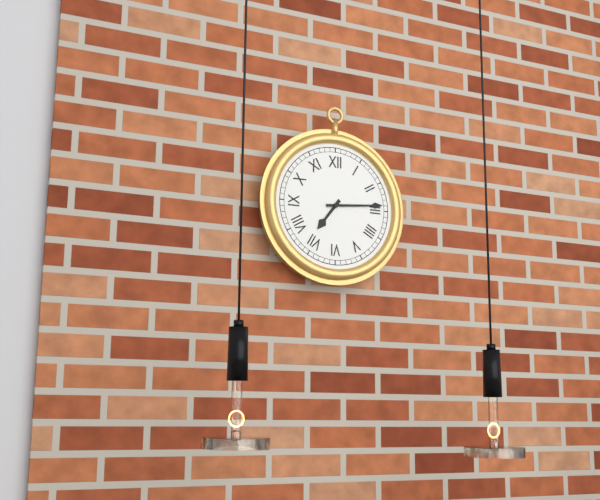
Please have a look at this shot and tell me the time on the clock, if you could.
7:14
